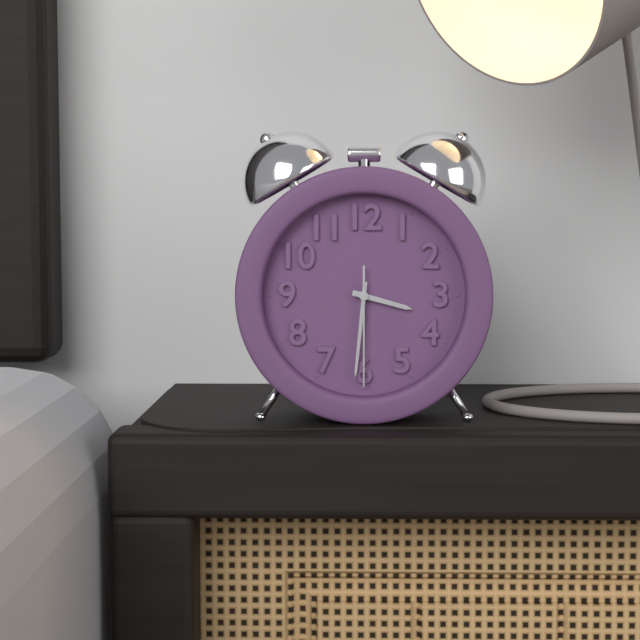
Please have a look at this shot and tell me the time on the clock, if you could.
3:31:30
